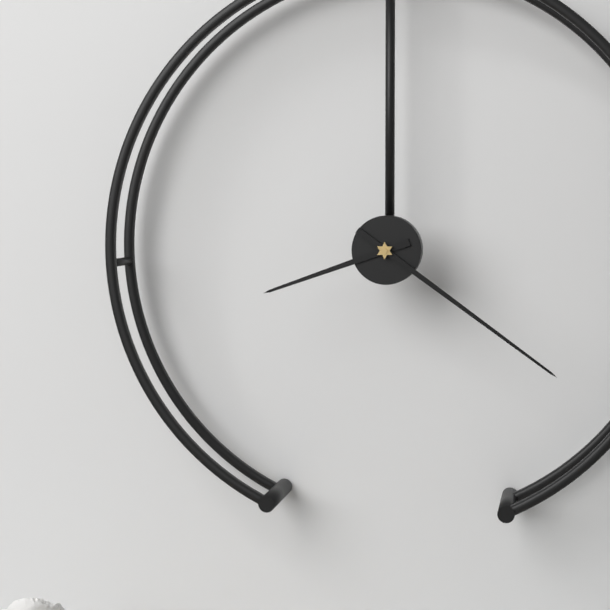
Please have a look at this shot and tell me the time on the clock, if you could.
8:21
